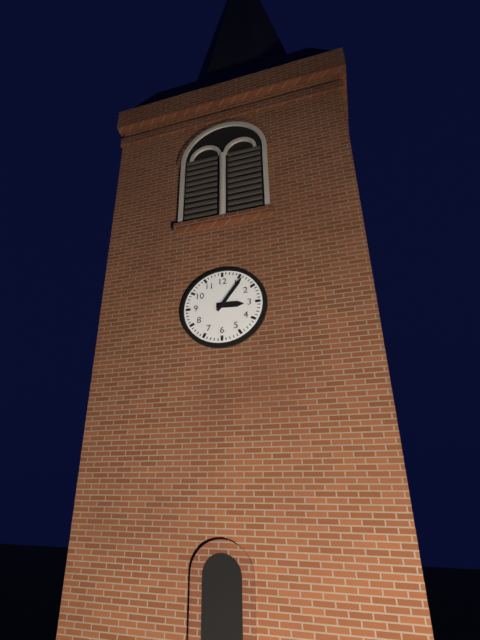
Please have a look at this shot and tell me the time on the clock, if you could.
3:06
